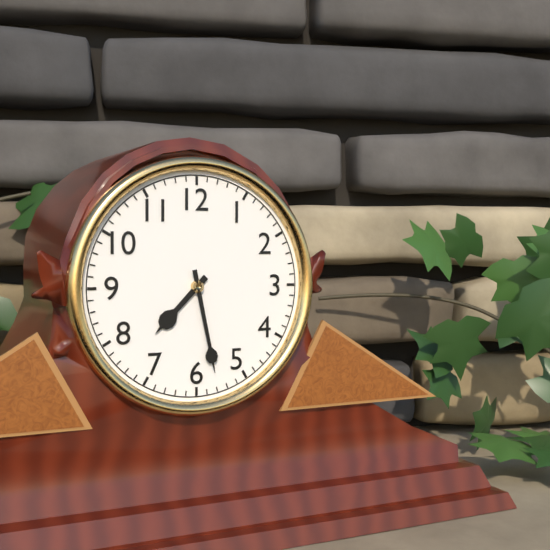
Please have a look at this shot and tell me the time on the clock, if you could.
7:28
